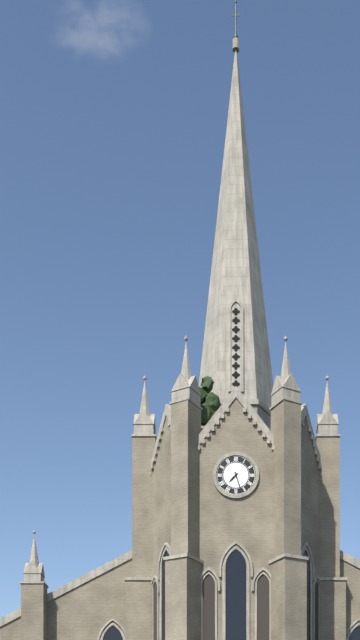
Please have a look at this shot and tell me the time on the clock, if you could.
7:27
